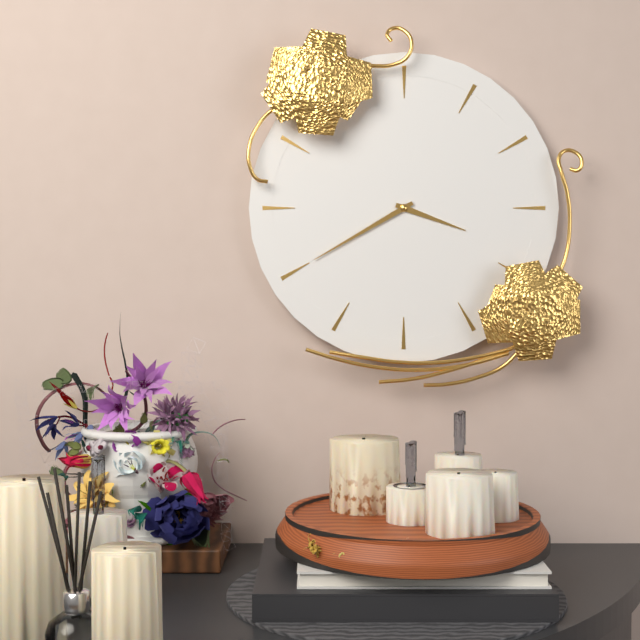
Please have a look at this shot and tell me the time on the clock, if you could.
3:40
